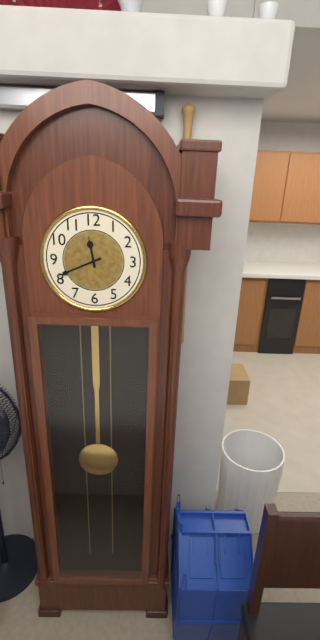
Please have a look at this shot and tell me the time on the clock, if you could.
11:41
